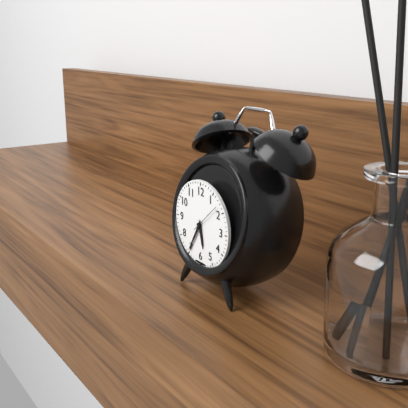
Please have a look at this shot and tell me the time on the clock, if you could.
5:35
